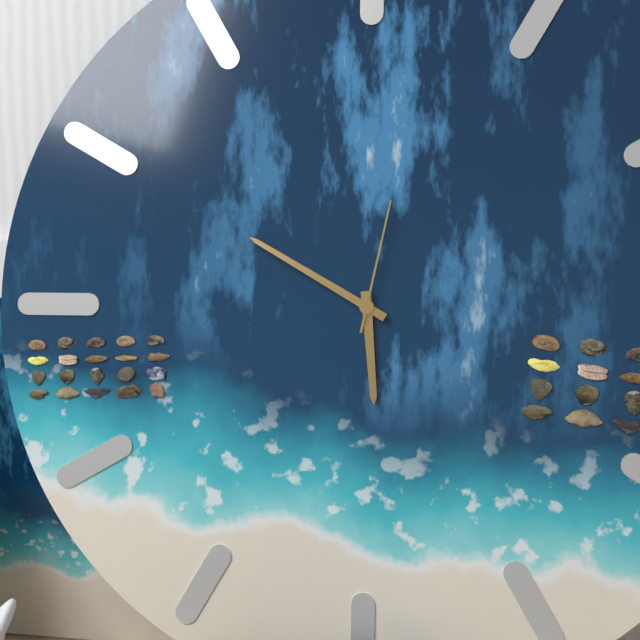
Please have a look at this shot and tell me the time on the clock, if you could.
5:50:02
